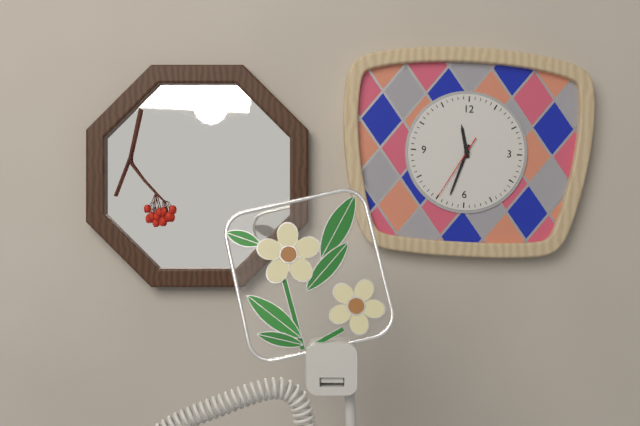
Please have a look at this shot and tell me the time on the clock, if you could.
11:33:35
